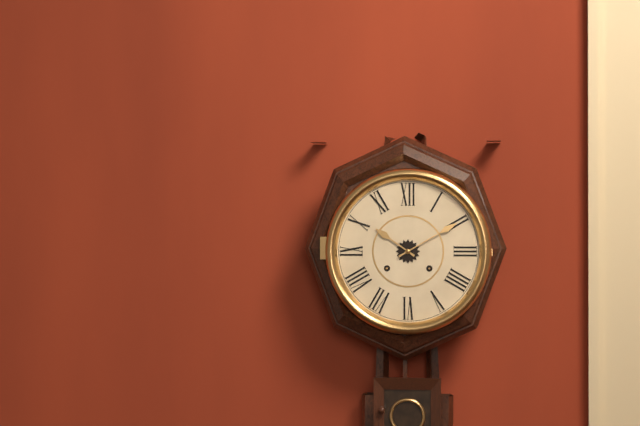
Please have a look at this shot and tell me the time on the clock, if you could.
10:10
